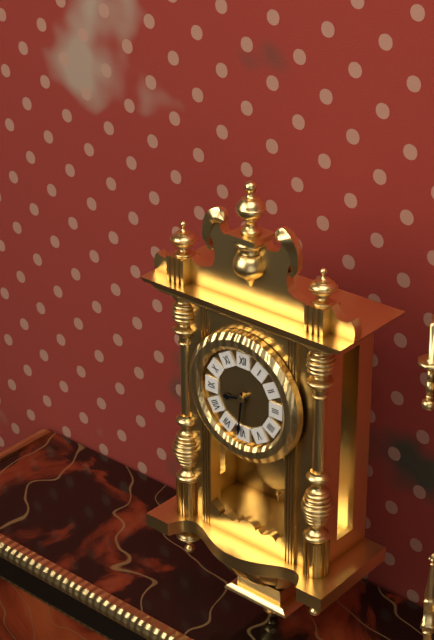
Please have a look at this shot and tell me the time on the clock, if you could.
8:31
